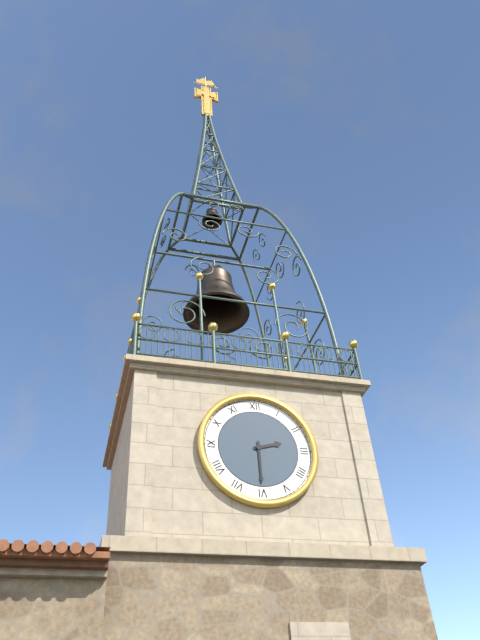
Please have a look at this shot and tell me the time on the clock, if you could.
2:30
